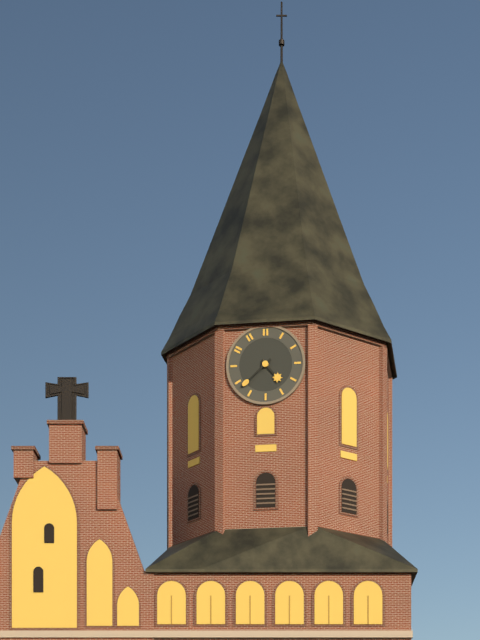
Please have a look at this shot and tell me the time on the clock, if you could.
4:38
